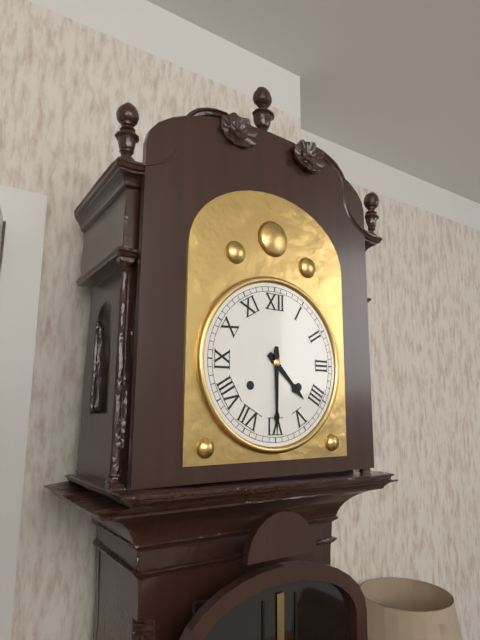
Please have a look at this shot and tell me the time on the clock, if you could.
4:30
